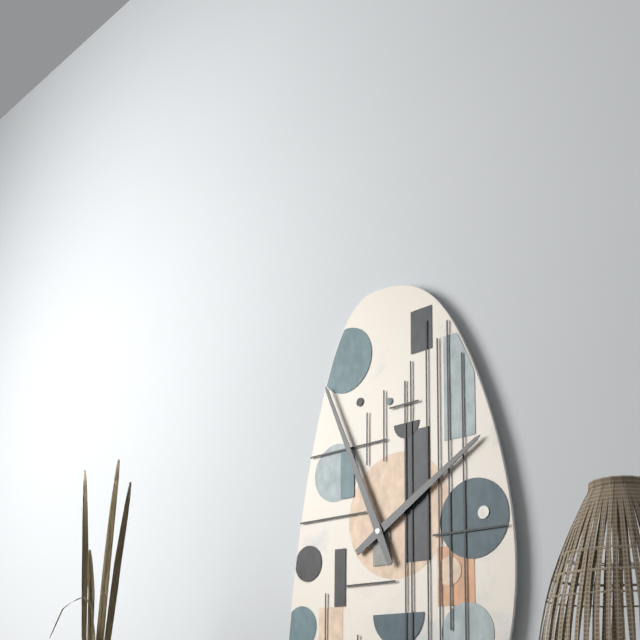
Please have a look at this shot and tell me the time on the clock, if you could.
1:56
